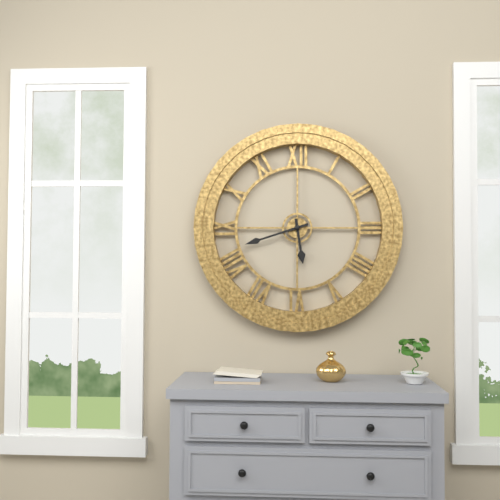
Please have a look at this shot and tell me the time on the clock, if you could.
5:42
